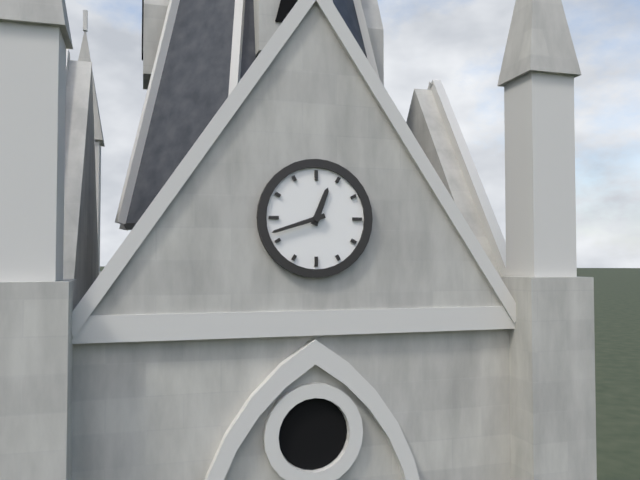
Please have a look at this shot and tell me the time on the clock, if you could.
12:42
